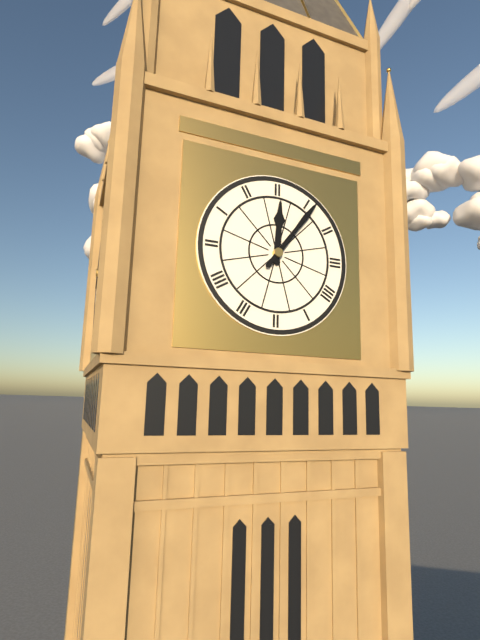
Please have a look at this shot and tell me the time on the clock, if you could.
12:06
